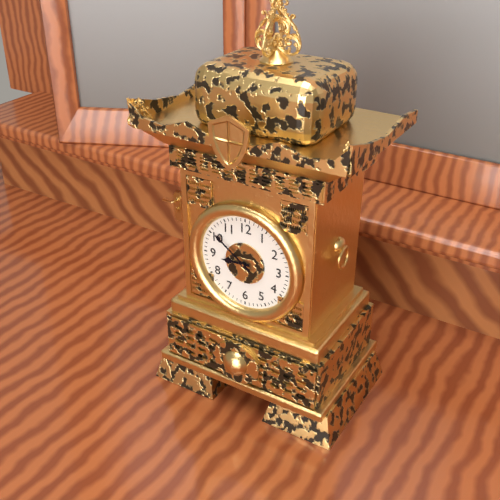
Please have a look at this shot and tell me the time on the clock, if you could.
8:51
